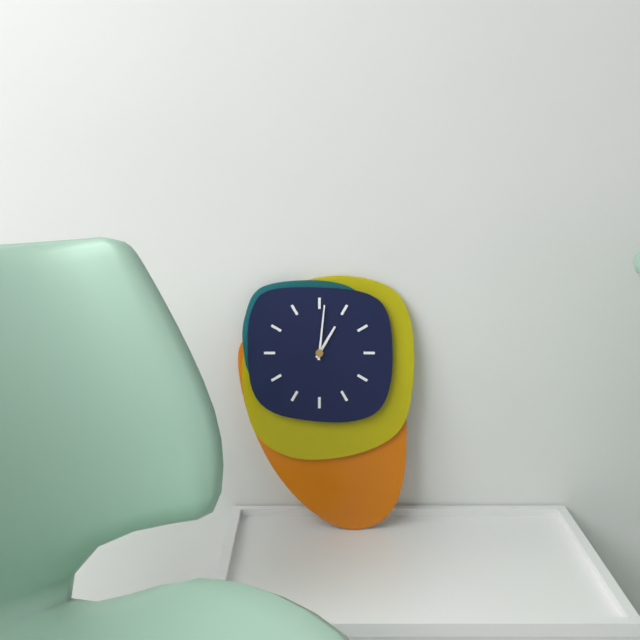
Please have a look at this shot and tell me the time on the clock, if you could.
1:01
